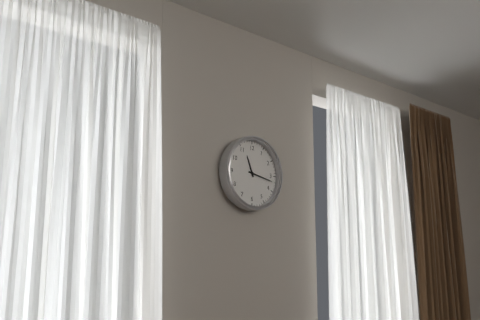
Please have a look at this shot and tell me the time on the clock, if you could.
11:17
